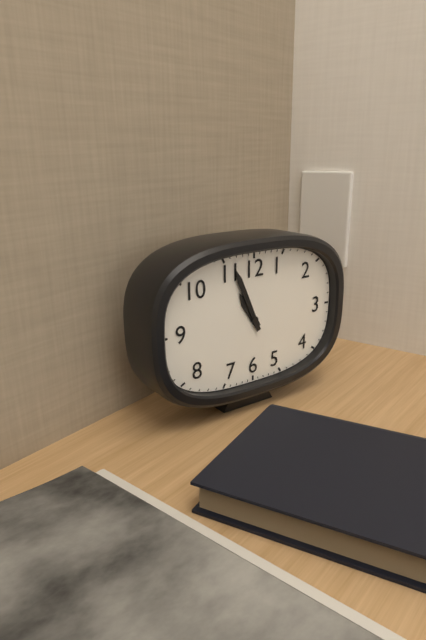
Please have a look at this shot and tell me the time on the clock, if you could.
10:56
